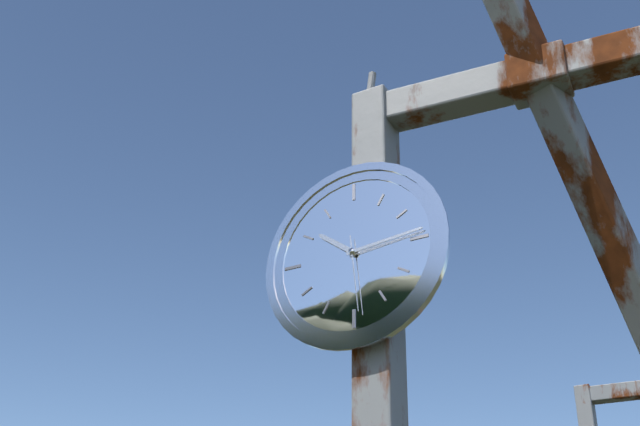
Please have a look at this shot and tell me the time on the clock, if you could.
10:14:29
